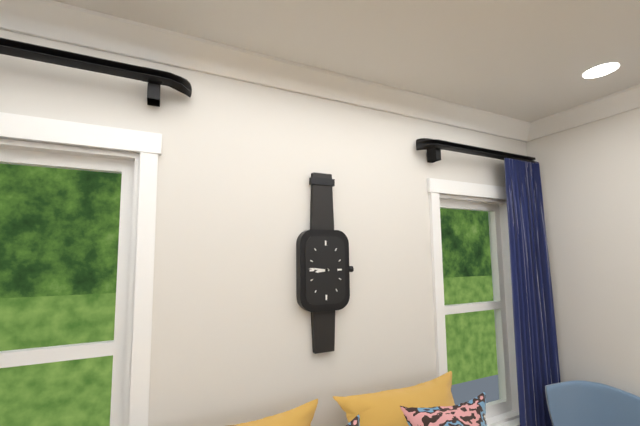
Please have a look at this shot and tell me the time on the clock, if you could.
8:46
